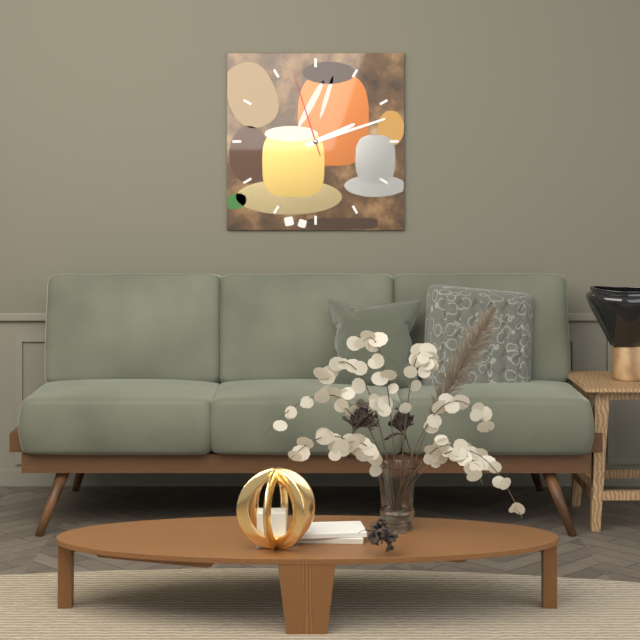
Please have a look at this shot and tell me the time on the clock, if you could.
2:12:57
